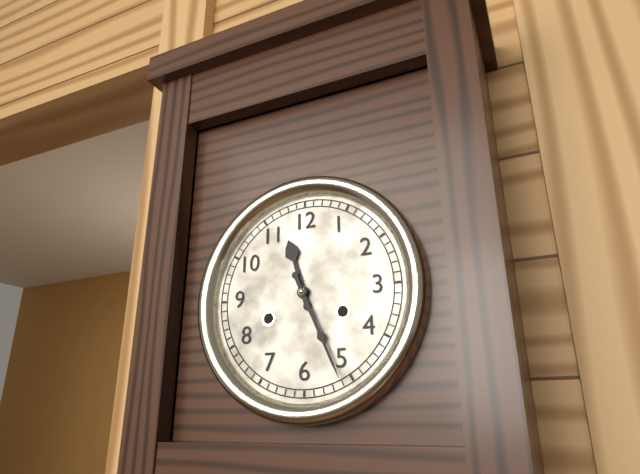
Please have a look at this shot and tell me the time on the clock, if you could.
11:26
